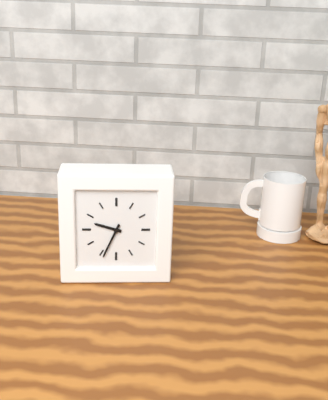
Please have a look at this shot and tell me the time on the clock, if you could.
9:34
